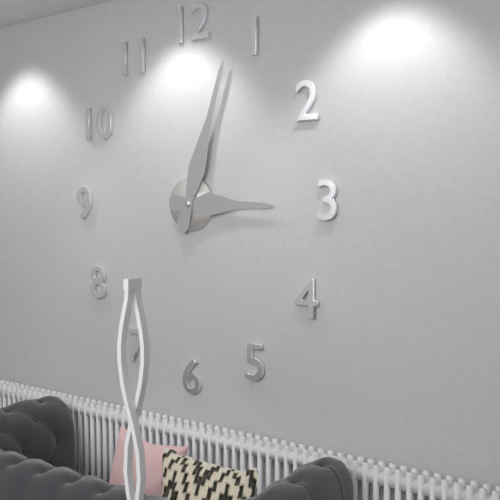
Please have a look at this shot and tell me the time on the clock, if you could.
3:03
